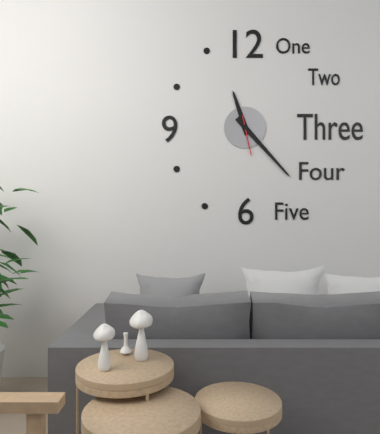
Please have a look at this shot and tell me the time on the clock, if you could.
11:23
